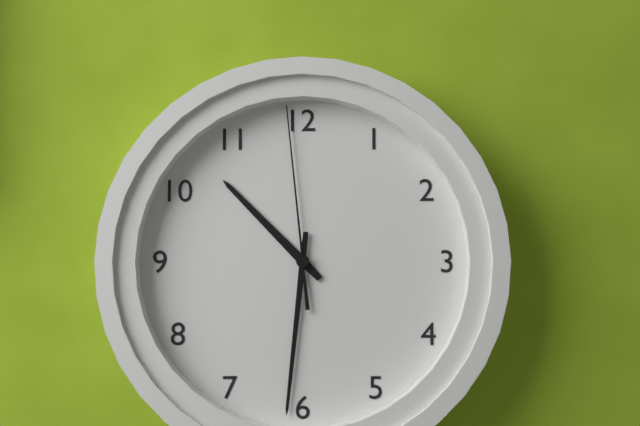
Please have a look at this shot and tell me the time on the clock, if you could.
10:31:59
